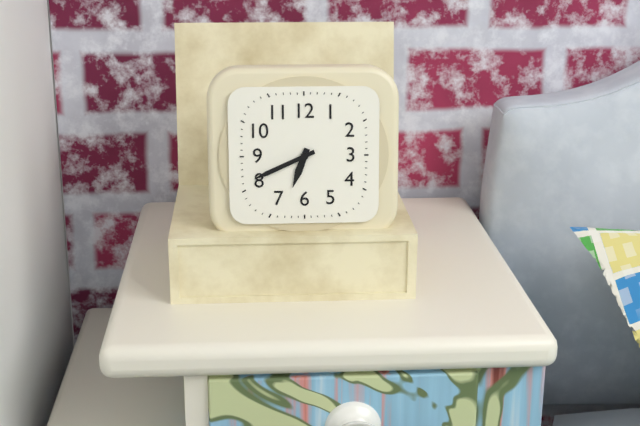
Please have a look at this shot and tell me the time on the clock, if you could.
6:41
